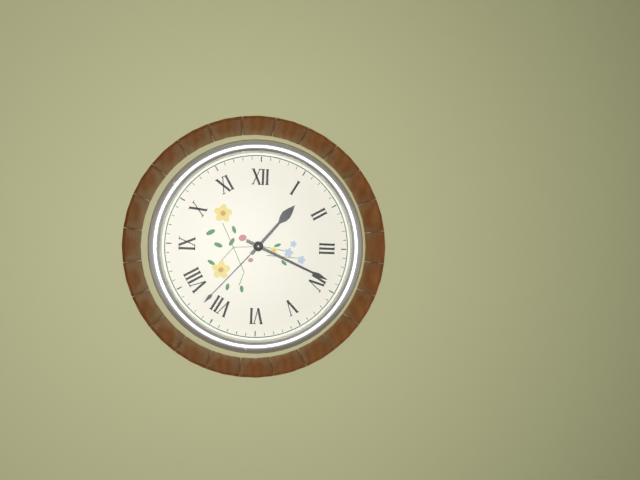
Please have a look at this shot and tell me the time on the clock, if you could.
1:19:37
